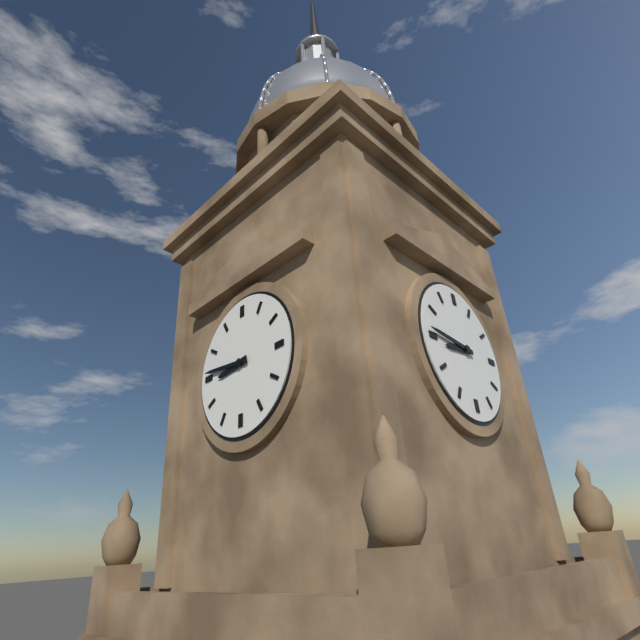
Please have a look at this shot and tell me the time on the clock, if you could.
8:46
